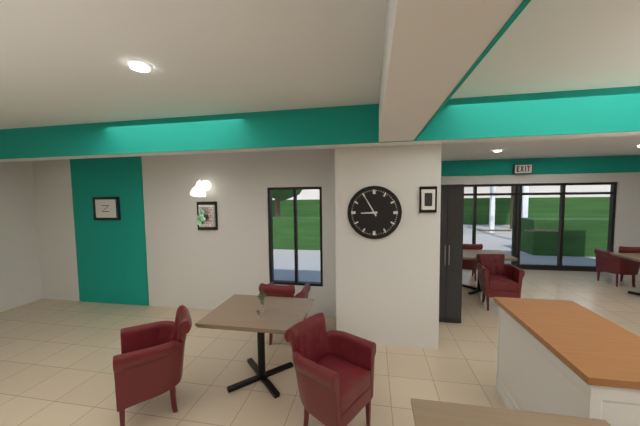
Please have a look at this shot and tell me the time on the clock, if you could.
8:55
